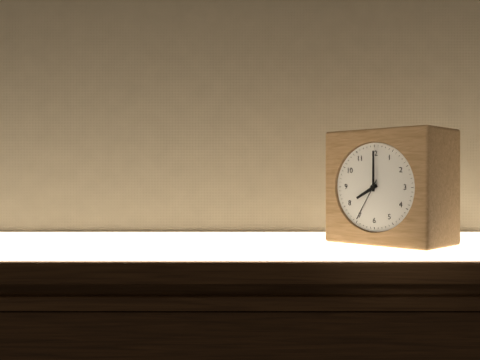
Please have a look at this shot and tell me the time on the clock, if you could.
8:00
